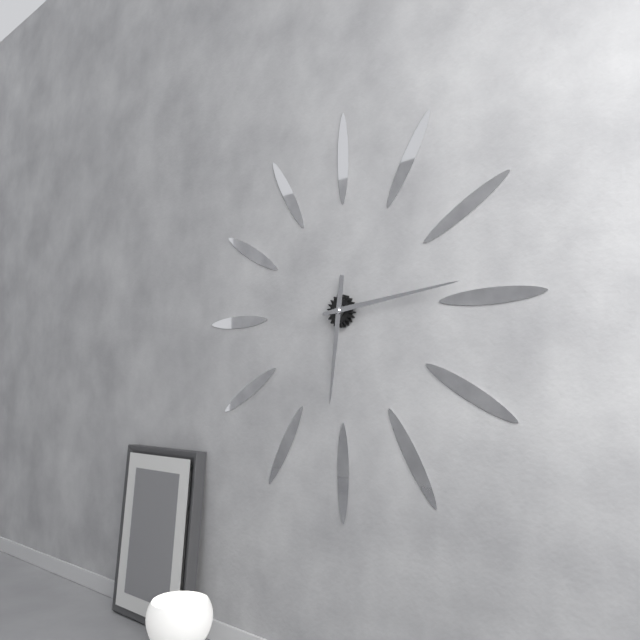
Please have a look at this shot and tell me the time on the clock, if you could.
6:14
